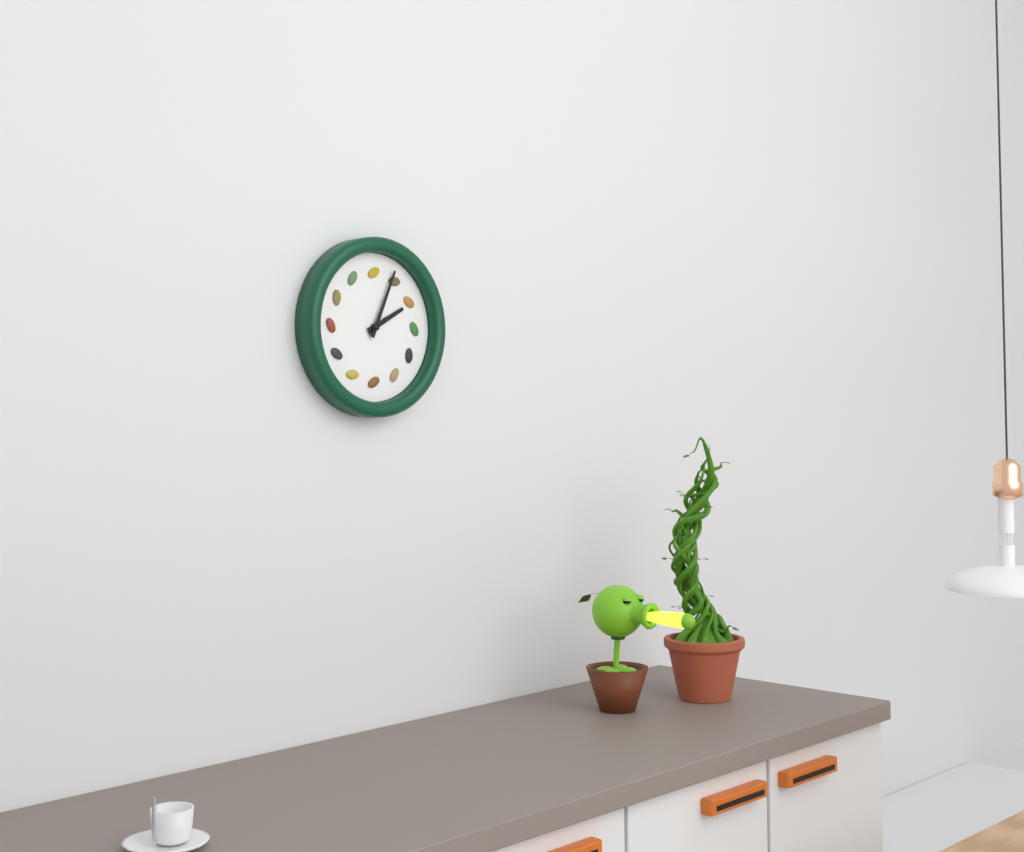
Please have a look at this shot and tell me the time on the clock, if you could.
2:04
